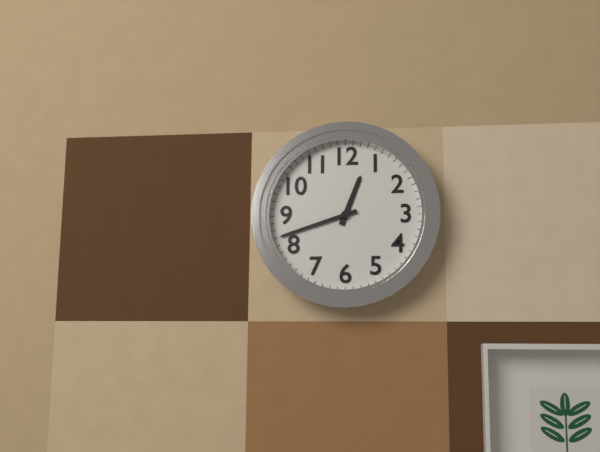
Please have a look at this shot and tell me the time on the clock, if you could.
12:42
